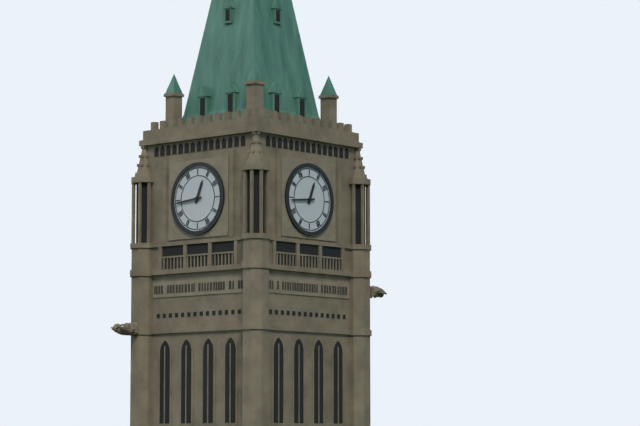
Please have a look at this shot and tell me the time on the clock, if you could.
12:44
